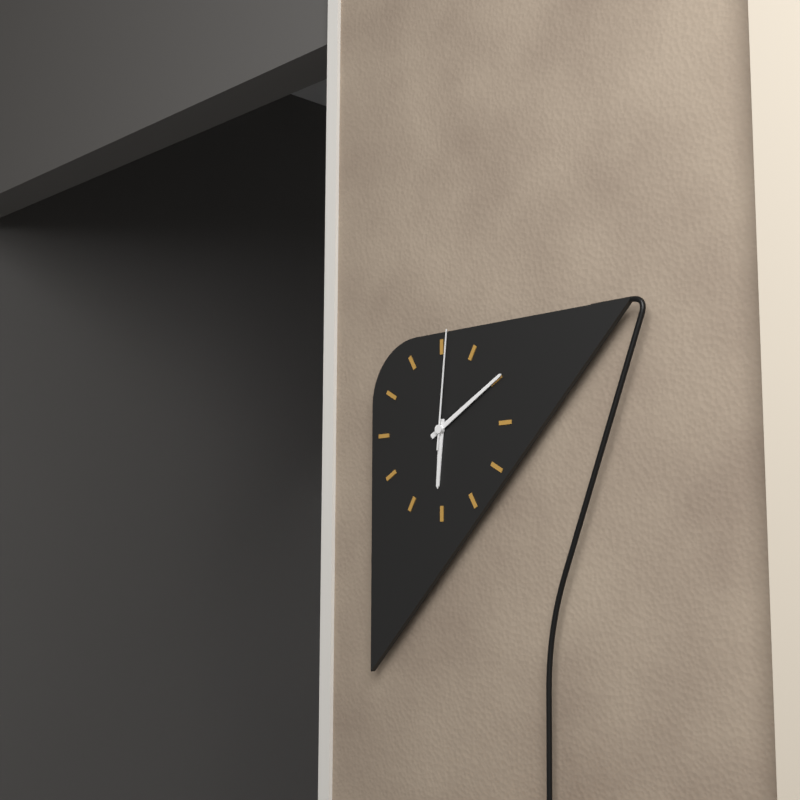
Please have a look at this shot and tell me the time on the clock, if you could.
6:10:01
